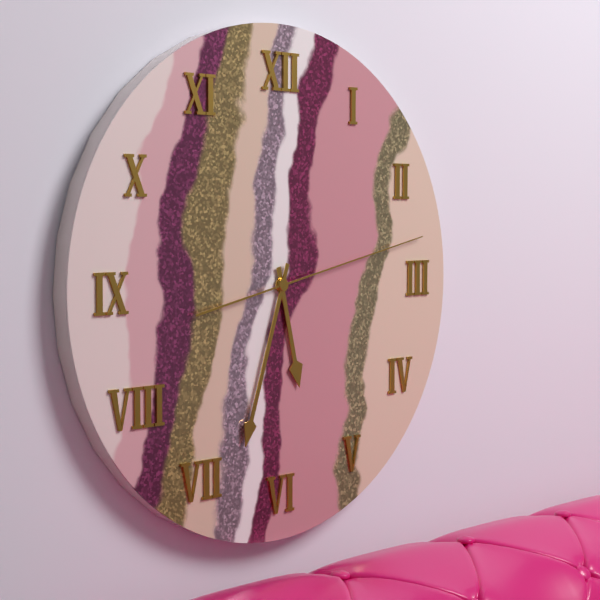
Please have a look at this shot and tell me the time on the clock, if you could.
5:33:13
